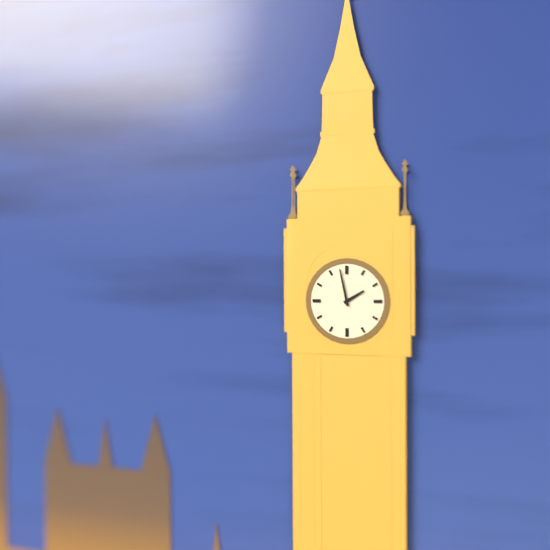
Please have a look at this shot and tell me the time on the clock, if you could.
1:58
